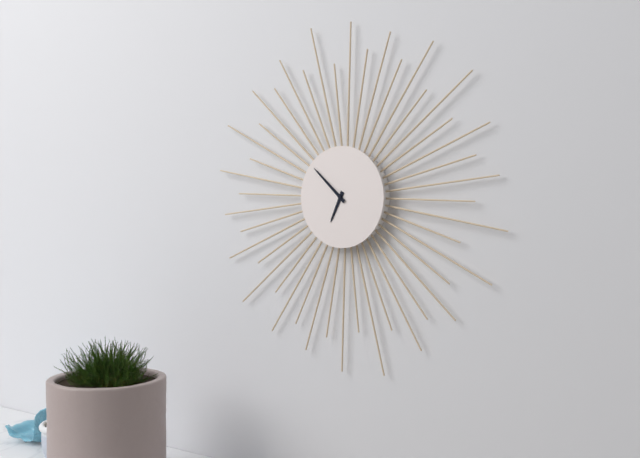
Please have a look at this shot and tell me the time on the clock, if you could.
6:52
